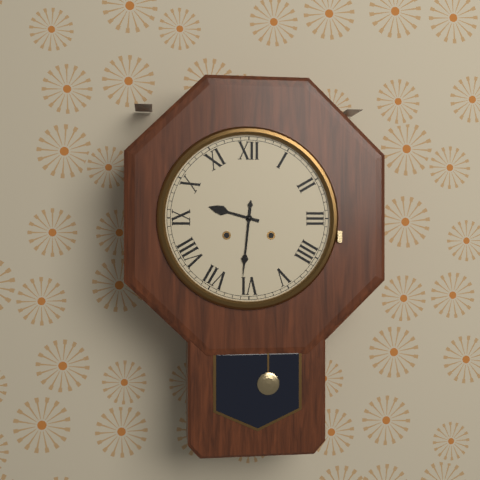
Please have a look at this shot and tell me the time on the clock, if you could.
9:31
